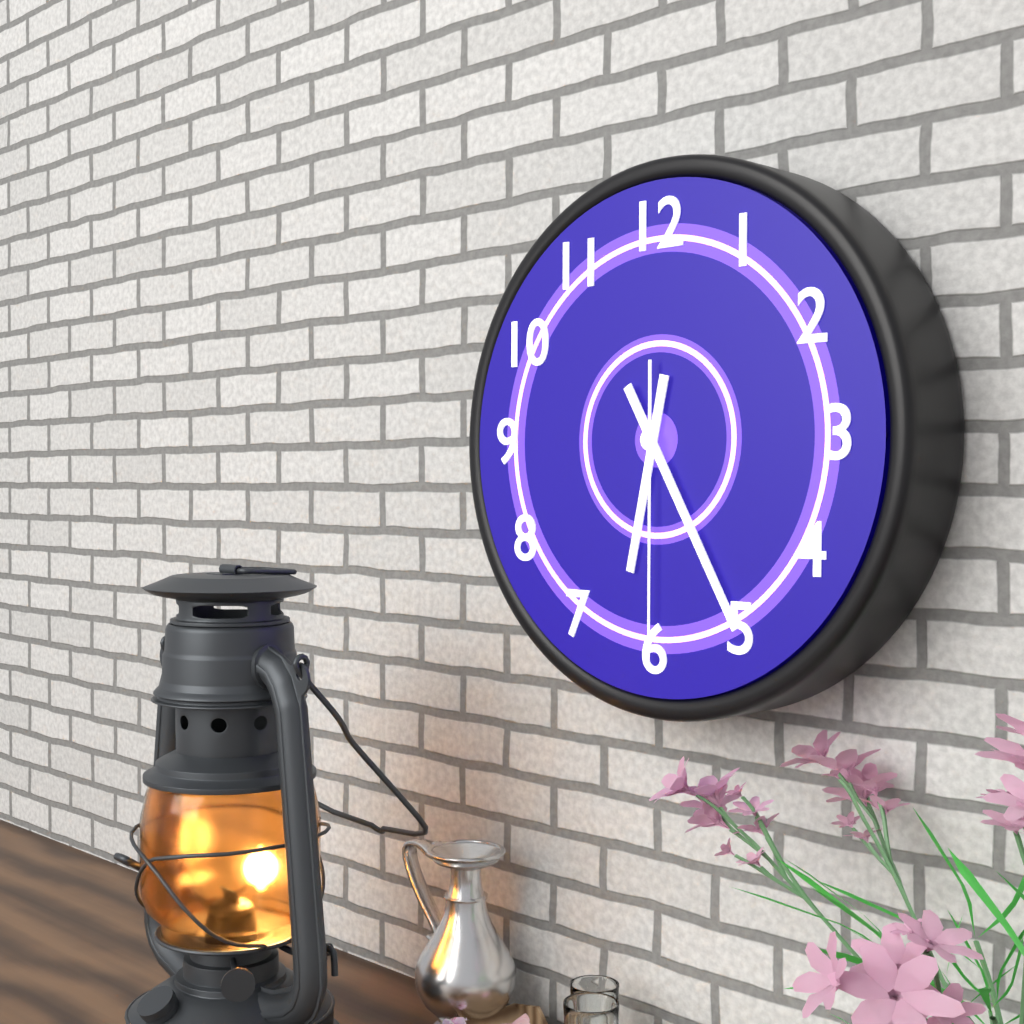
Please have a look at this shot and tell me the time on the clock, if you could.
6:25:30
